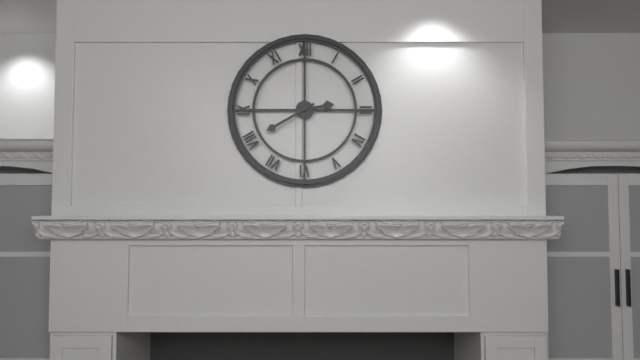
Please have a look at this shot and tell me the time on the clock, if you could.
2:40
